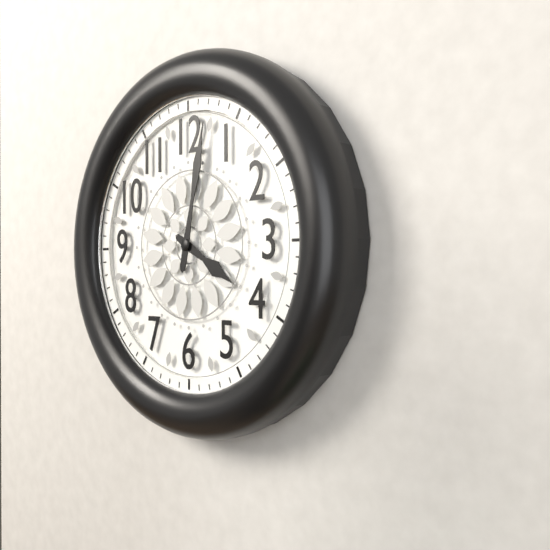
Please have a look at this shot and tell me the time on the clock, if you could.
4:02
